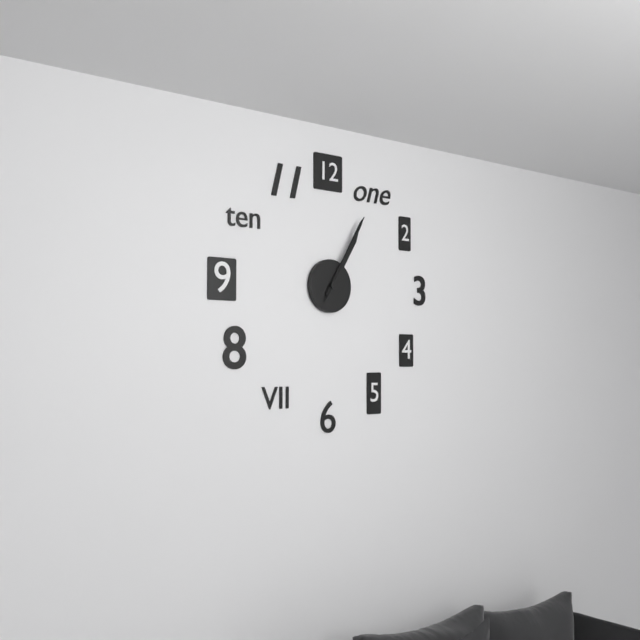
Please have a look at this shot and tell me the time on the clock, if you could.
1:05:05
